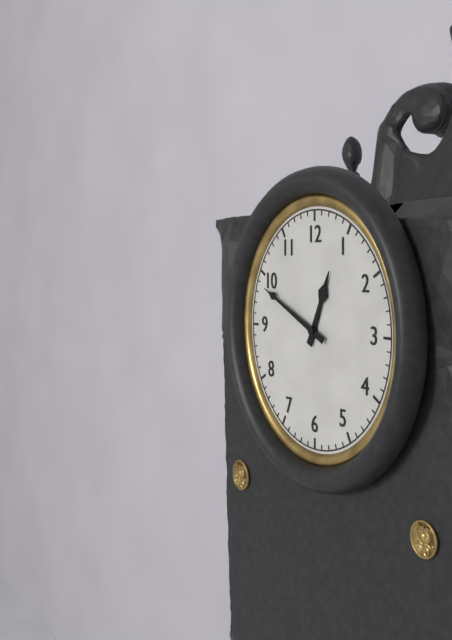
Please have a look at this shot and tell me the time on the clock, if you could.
12:49
